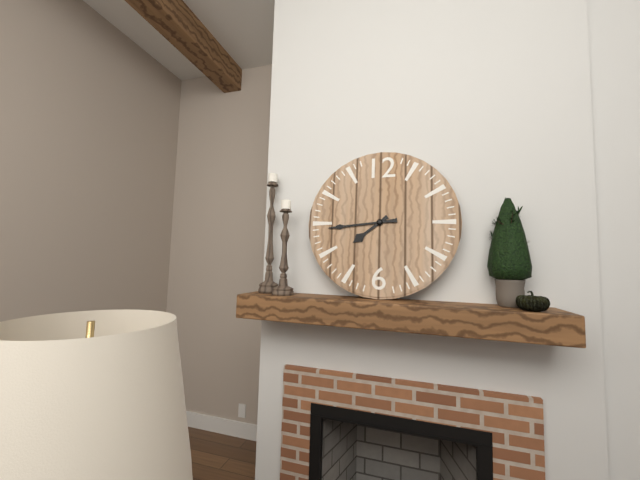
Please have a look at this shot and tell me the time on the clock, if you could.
7:44
